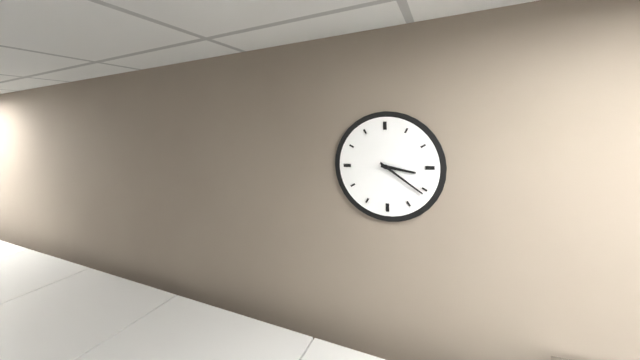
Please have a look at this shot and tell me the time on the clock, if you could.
3:21
